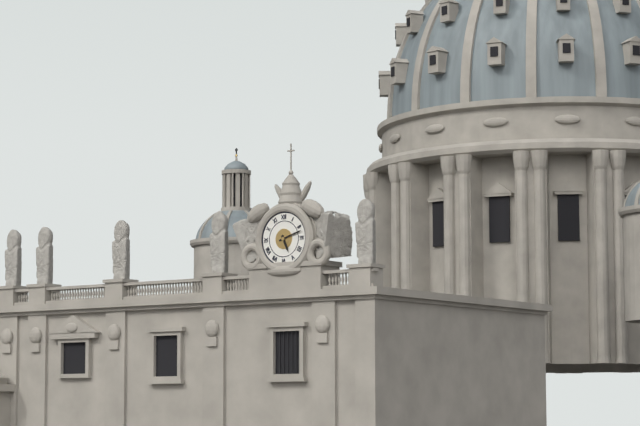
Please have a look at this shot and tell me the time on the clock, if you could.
5:12
